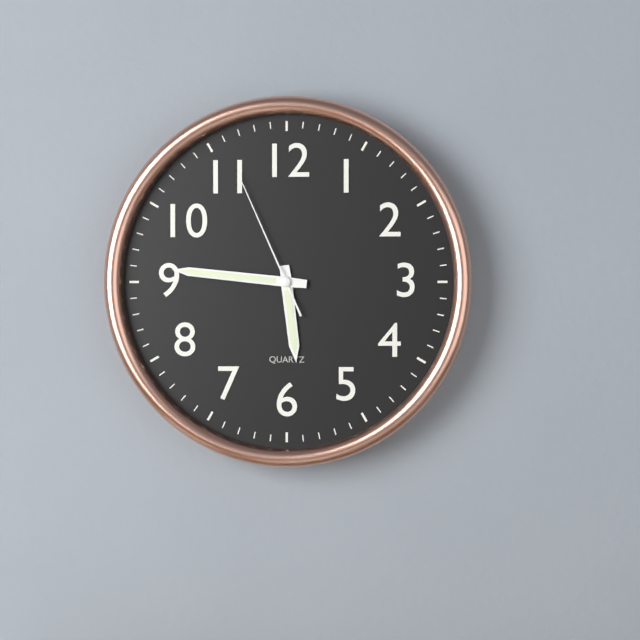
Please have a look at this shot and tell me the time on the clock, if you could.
5:46:56
